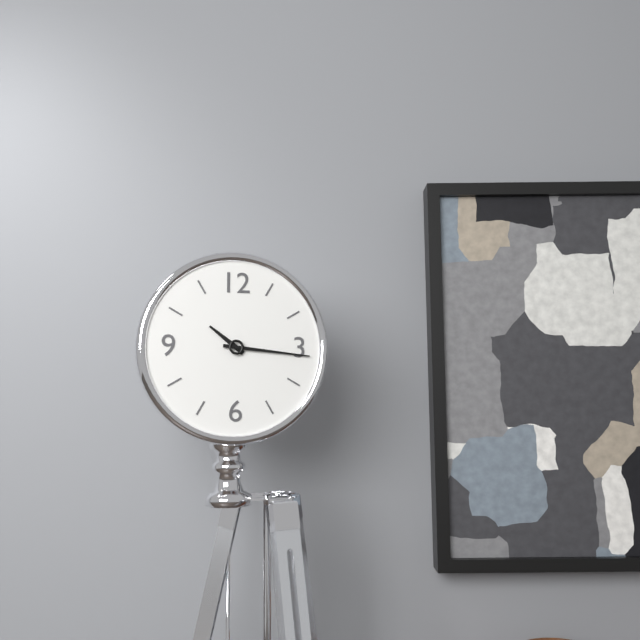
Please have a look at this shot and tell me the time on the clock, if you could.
10:16
